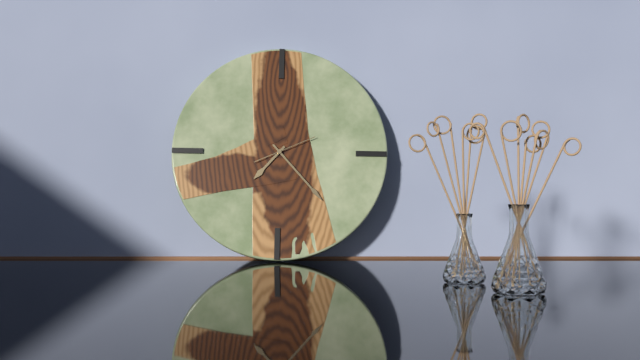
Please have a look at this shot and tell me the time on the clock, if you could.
7:23
